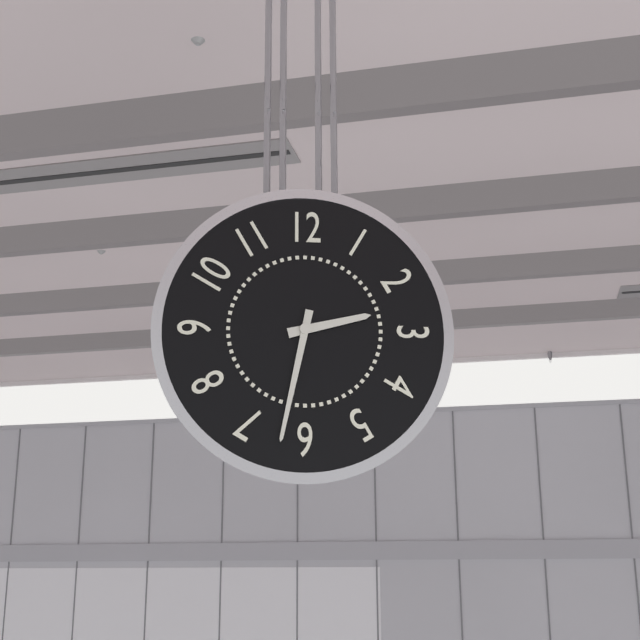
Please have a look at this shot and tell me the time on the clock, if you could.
2:32
